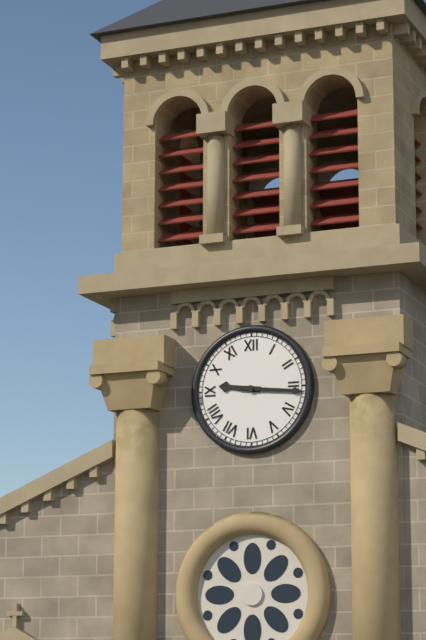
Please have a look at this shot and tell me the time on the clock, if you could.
9:16
